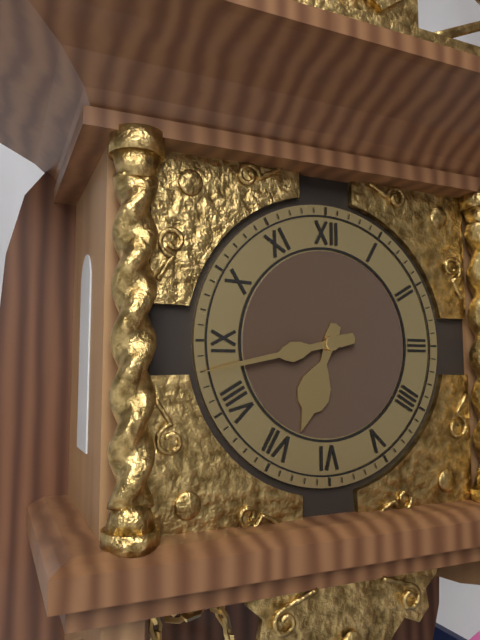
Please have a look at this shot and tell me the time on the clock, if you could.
6:43
